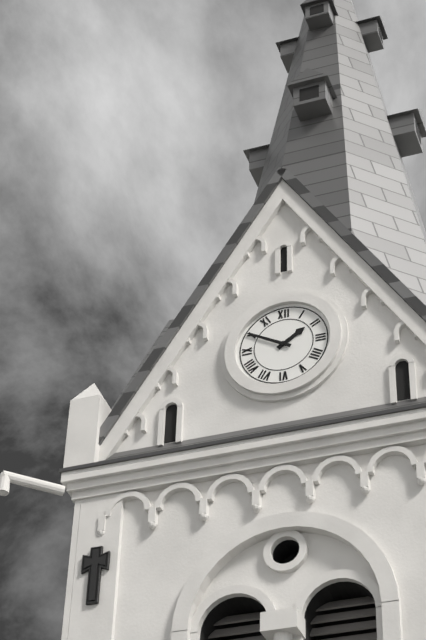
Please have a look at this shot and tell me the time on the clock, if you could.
1:50
